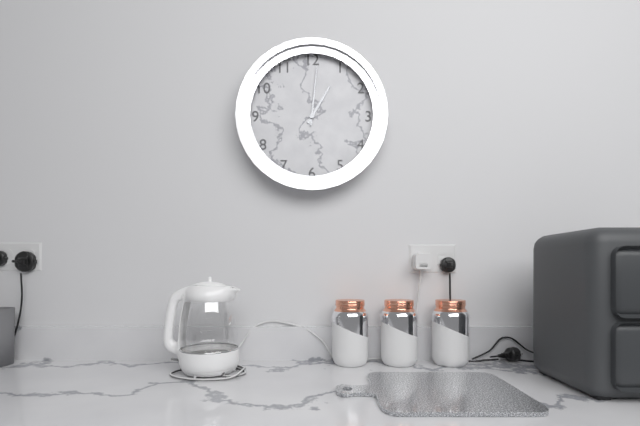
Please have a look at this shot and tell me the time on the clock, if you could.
1:01
